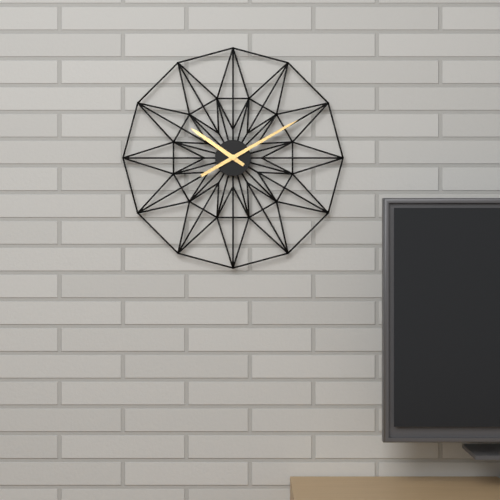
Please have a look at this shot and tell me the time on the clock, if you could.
10:10
